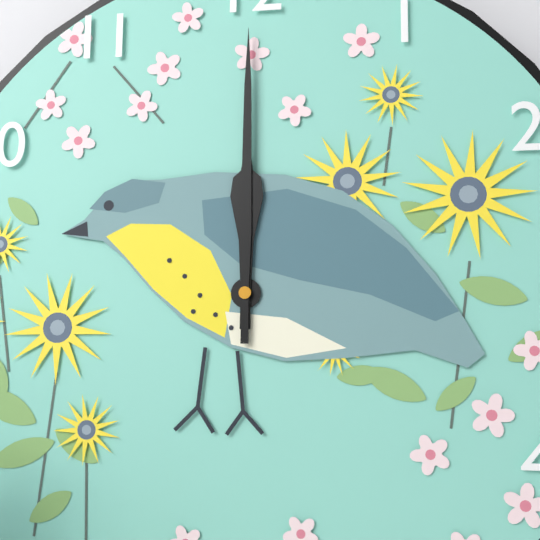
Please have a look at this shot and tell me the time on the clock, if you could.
12:00
